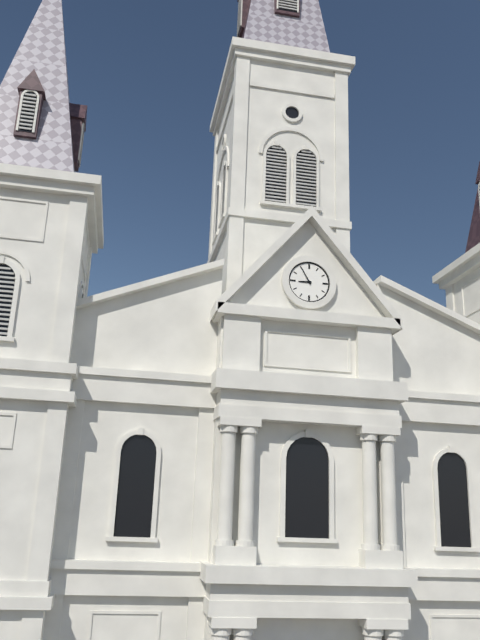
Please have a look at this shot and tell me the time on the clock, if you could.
8:55
